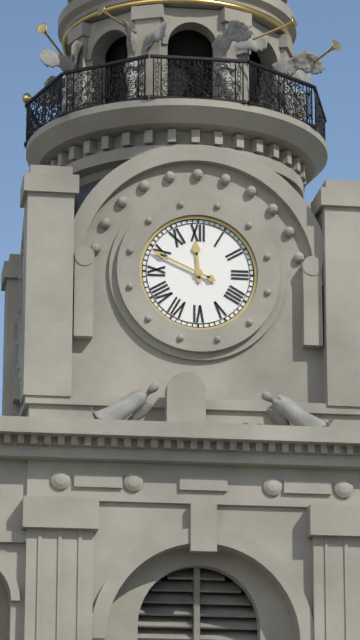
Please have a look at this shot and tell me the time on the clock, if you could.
11:49
